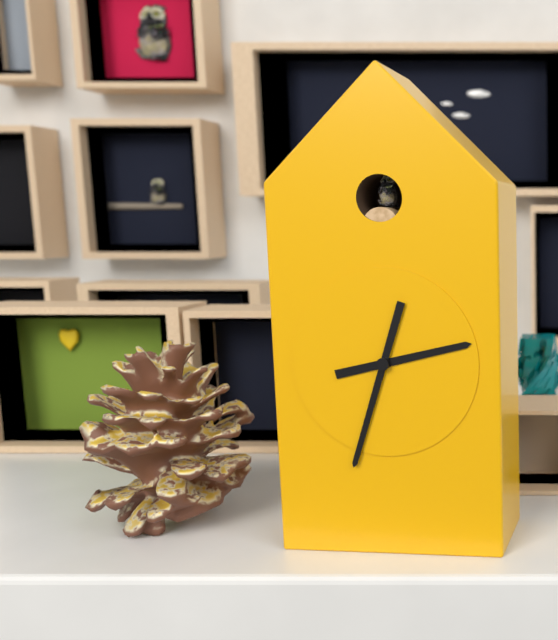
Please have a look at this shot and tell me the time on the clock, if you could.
2:33
